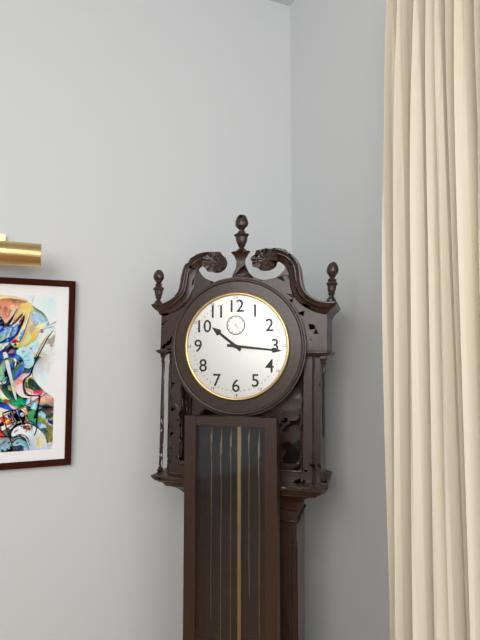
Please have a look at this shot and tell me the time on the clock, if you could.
10:16
